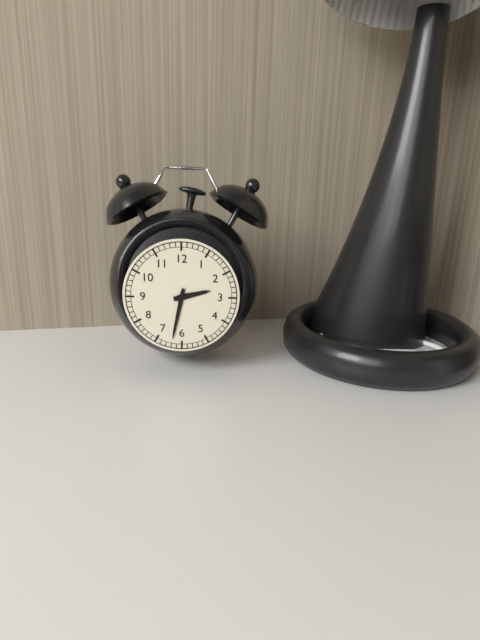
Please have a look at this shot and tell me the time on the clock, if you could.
2:32
